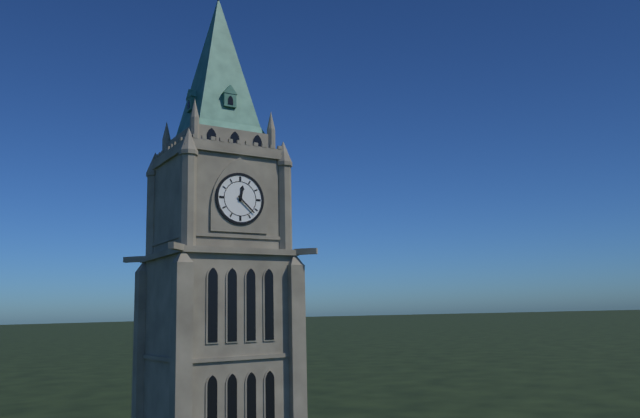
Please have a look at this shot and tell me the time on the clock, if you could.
12:22
